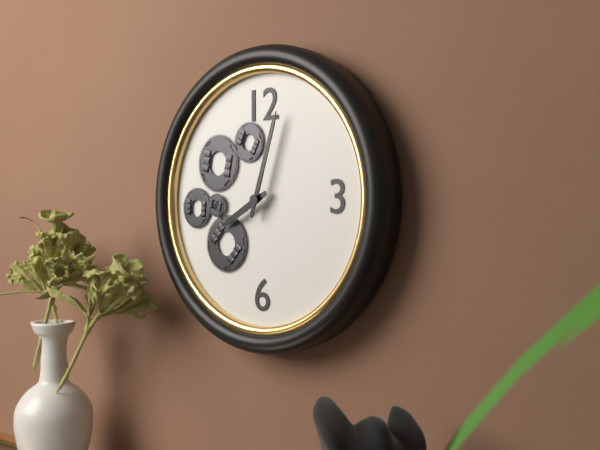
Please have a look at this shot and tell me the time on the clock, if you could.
8:03
